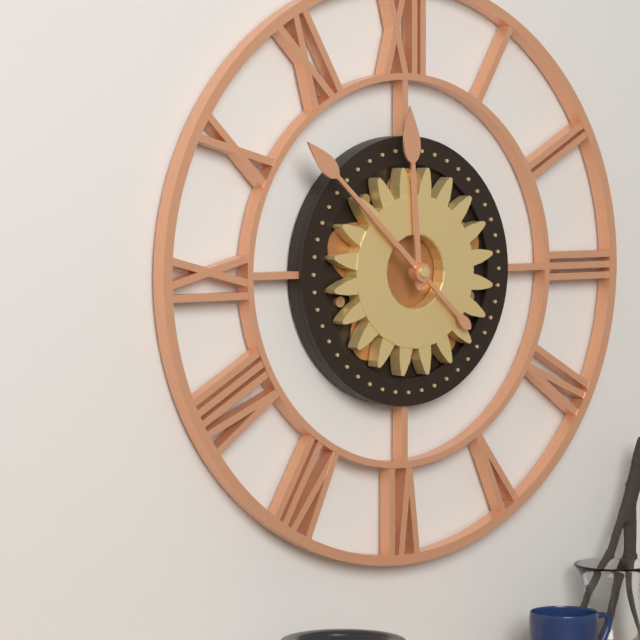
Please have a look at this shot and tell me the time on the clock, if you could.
11:52
